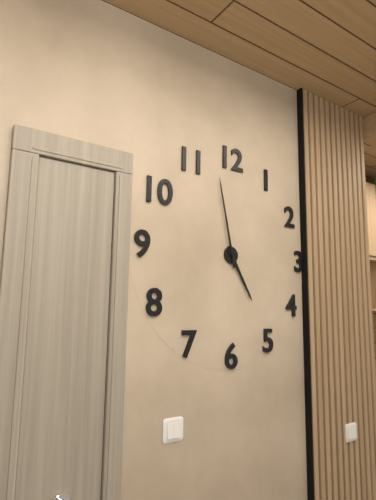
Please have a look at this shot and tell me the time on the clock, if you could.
4:58
